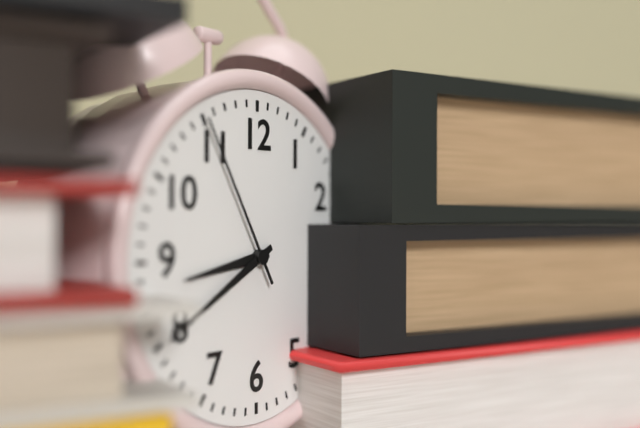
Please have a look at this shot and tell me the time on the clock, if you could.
8:40:55
